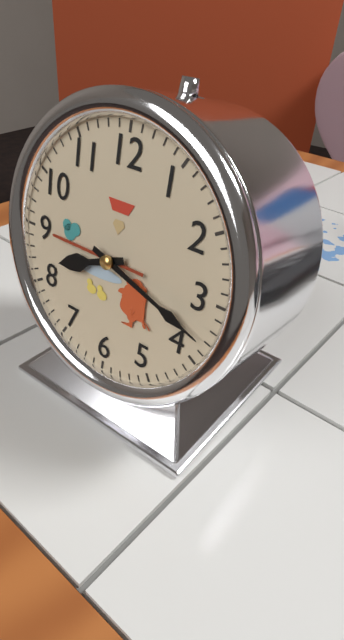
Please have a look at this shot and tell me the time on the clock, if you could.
8:18
